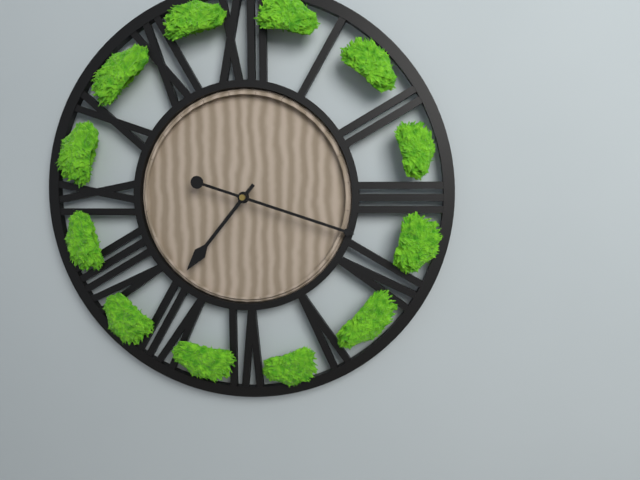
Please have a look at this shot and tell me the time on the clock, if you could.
7:18
